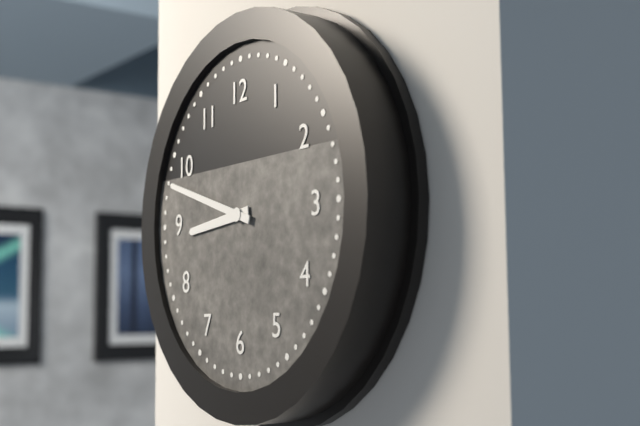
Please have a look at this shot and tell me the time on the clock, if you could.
8:48
